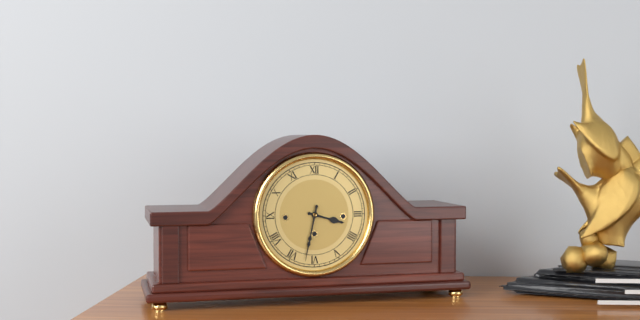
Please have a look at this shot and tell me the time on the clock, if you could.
3:32
